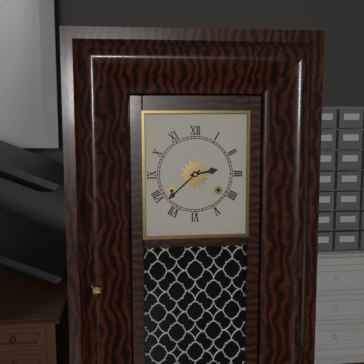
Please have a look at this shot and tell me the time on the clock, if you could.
2:38
